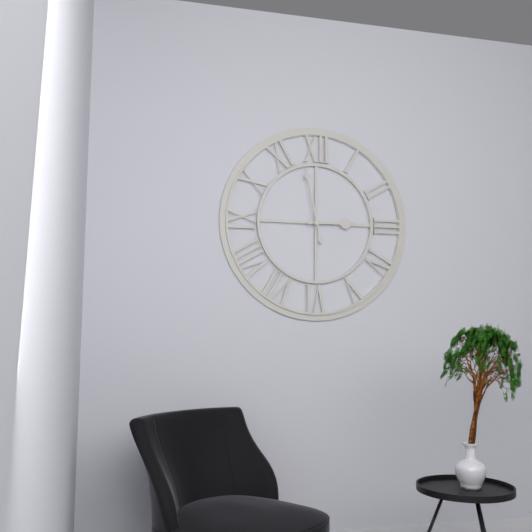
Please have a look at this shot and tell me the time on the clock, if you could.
2:58
